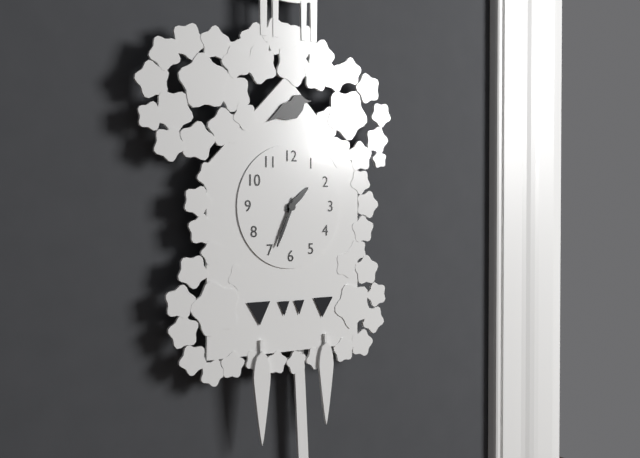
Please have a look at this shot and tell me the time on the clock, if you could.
1:34
